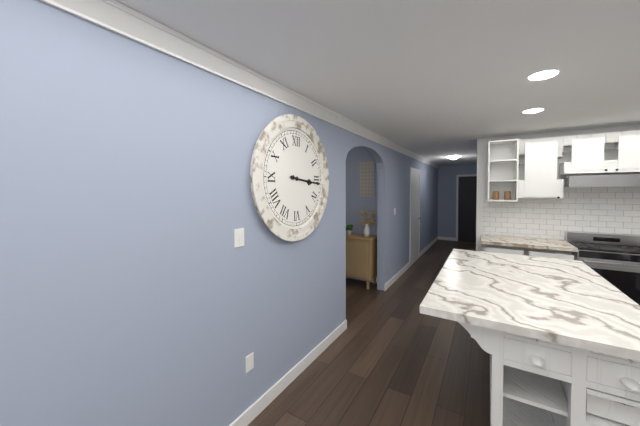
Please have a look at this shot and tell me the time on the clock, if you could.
3:16
